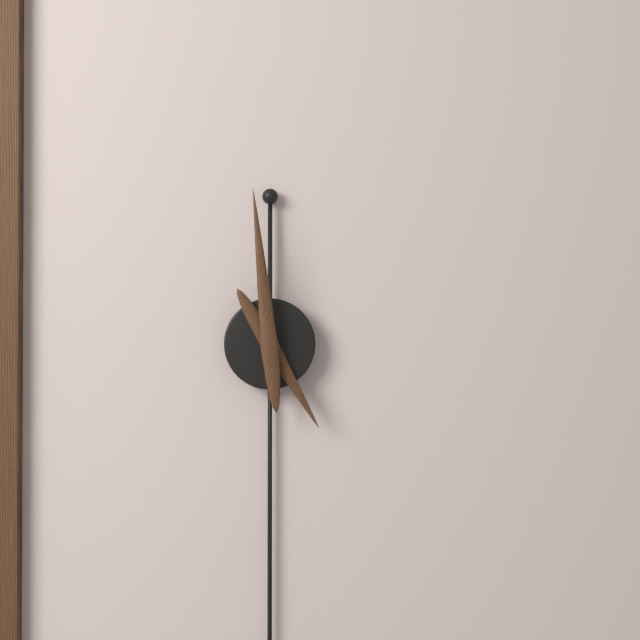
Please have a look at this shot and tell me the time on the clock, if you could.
4:59
